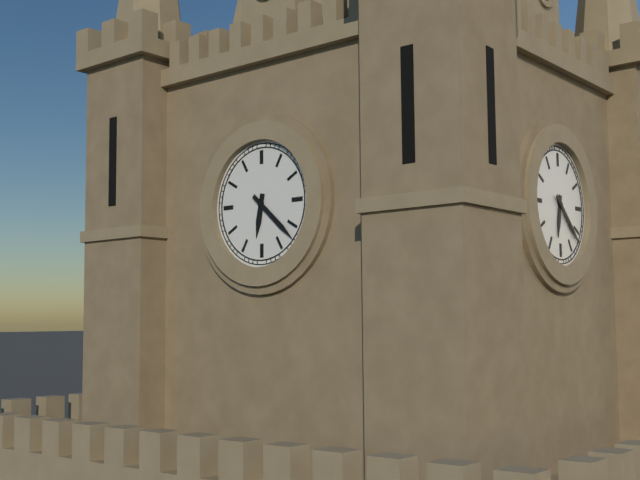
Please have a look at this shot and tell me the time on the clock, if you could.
6:22
